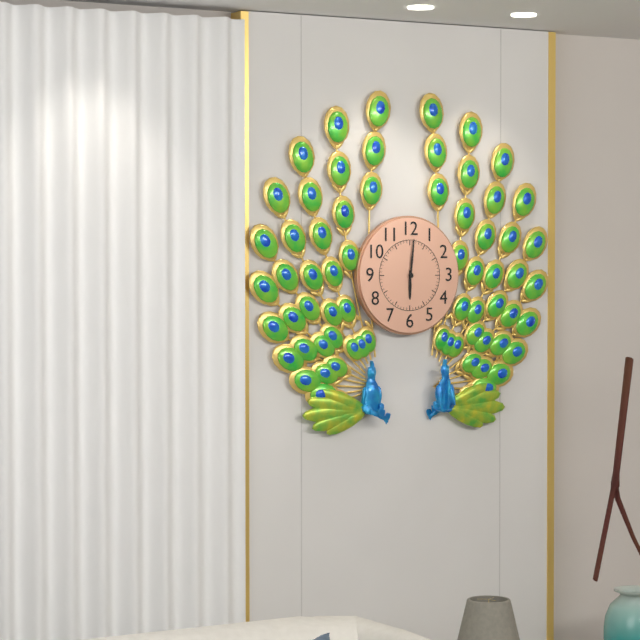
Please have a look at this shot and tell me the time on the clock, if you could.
6:01
